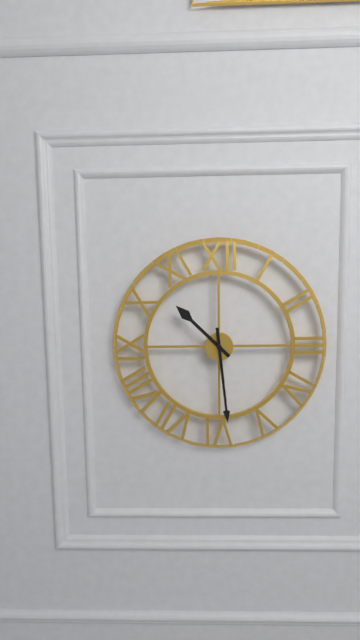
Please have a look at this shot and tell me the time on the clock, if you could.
10:29
